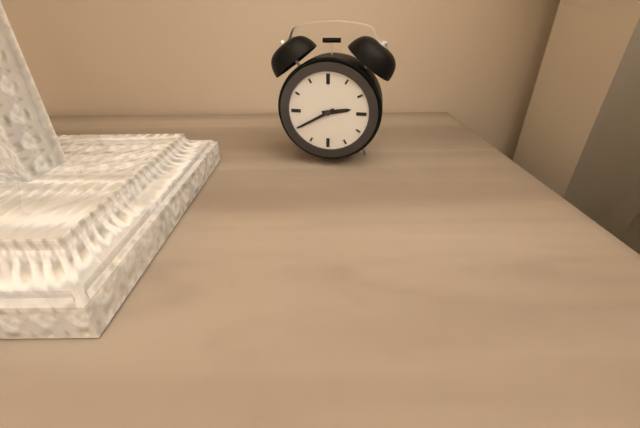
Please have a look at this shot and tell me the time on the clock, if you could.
2:40
